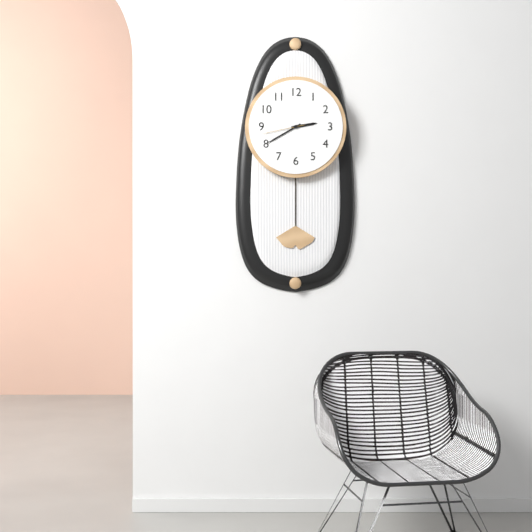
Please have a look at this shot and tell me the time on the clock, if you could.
2:40
